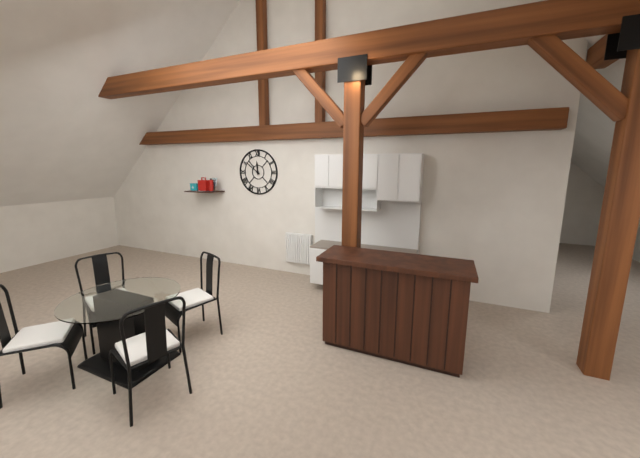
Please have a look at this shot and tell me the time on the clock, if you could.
11:51
